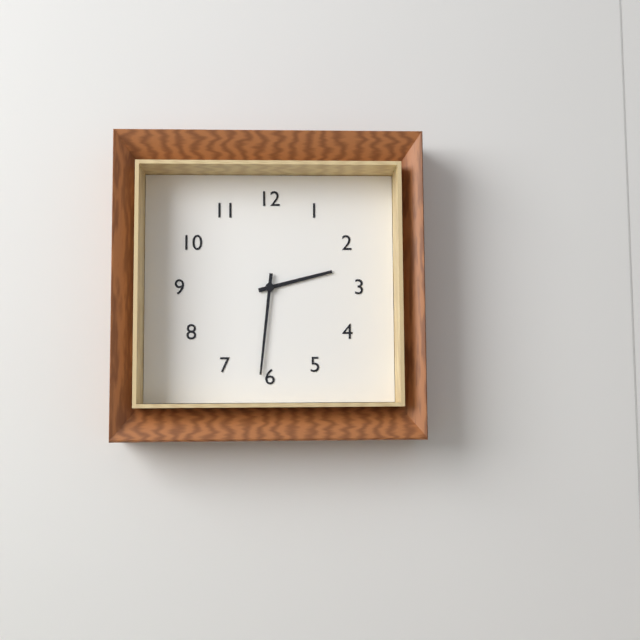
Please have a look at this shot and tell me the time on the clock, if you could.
2:31
